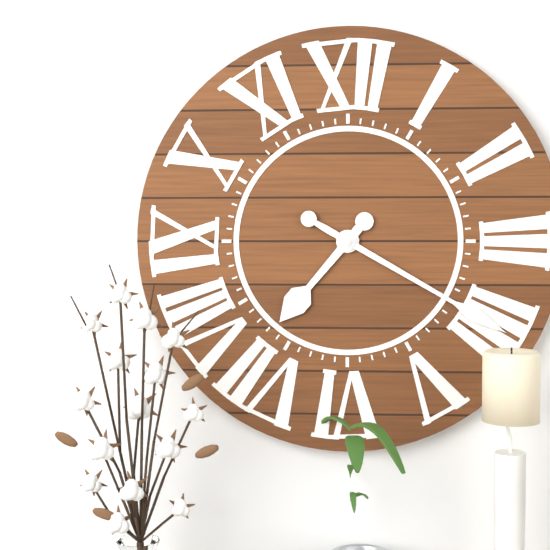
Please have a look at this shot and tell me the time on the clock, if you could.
7:20
